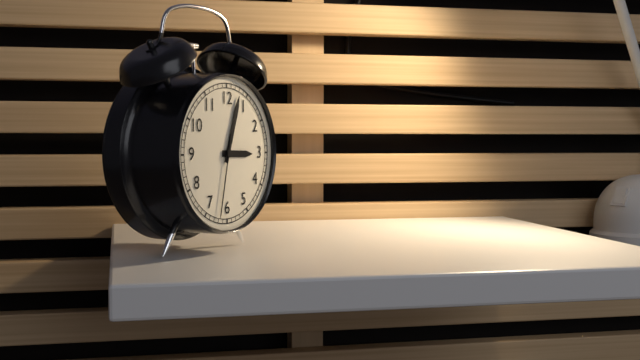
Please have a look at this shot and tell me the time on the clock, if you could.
3:03:32
